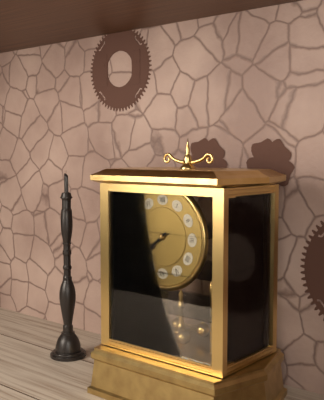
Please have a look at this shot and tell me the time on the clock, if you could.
7:39
